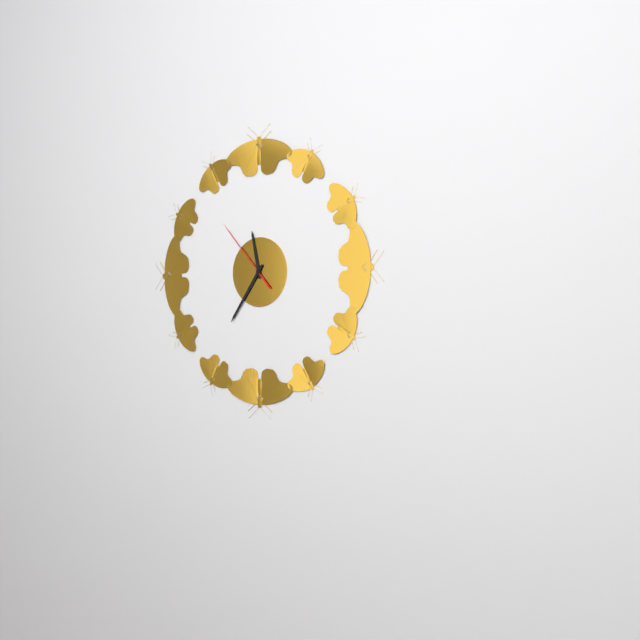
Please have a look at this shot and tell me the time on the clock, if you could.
11:36:53
